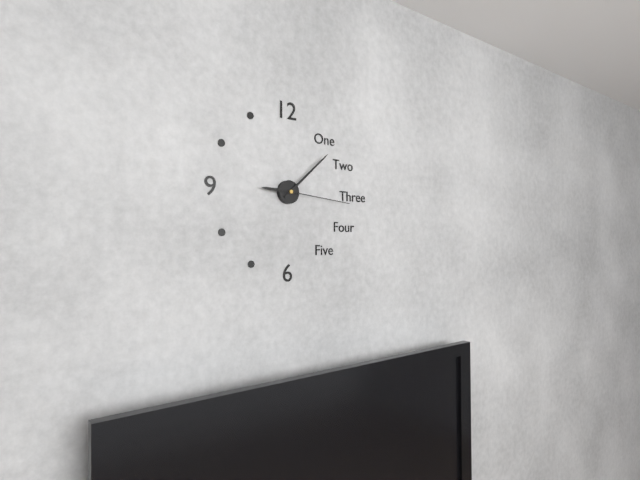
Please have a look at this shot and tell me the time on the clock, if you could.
9:08:16
